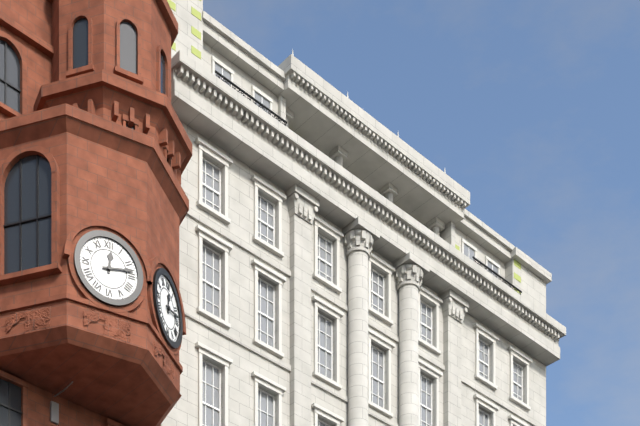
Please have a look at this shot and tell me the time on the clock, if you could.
12:13
